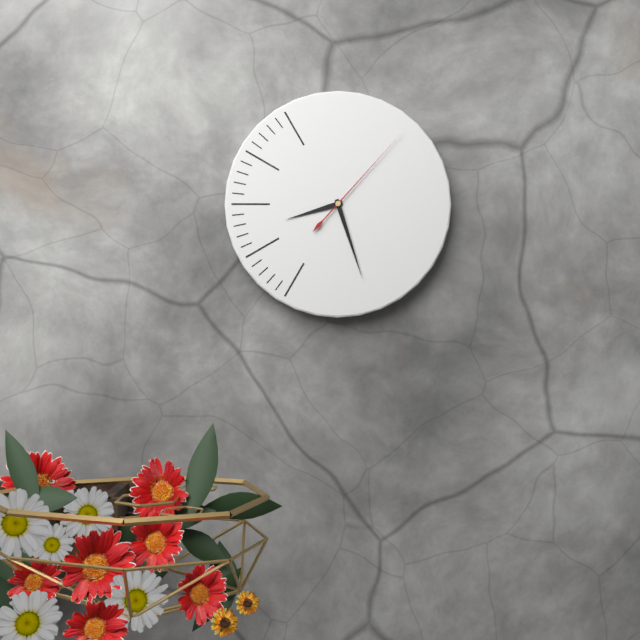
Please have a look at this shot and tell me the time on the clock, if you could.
8:27:07
